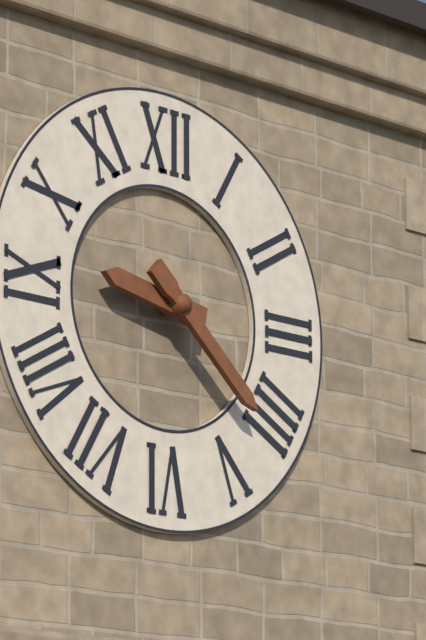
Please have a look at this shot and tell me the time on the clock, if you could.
9:22
